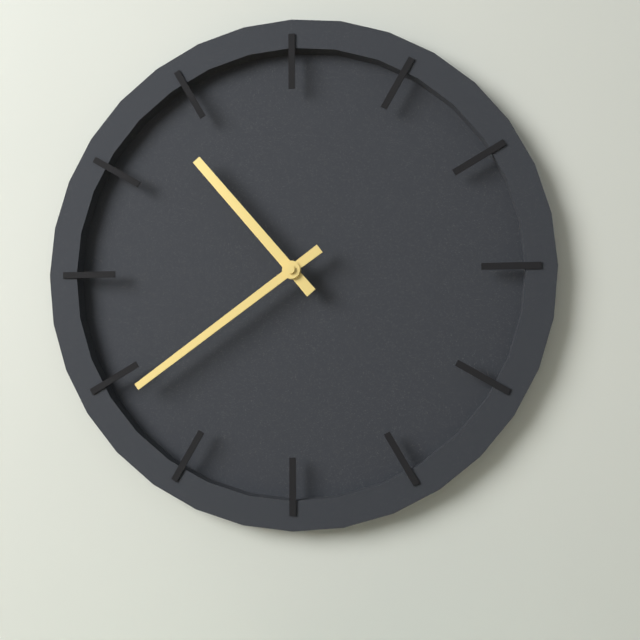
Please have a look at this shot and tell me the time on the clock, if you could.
10:39
